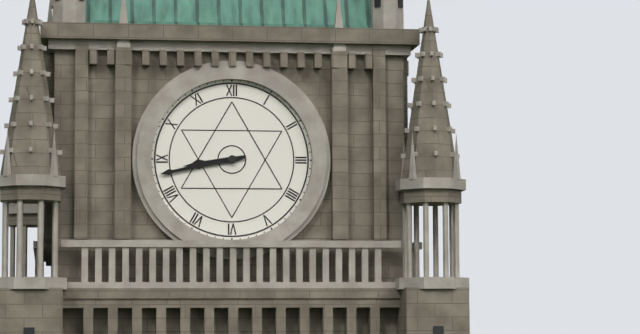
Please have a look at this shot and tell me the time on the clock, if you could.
8:43
